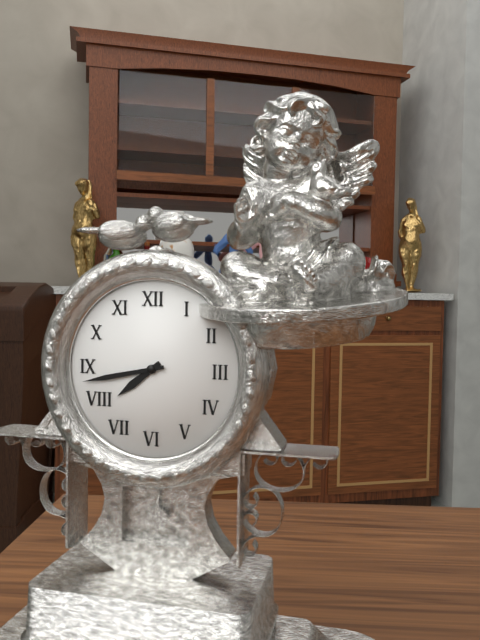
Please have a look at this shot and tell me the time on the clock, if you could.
7:43
